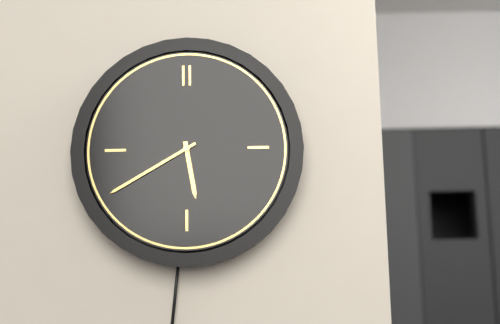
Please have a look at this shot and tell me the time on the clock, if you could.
5:40
